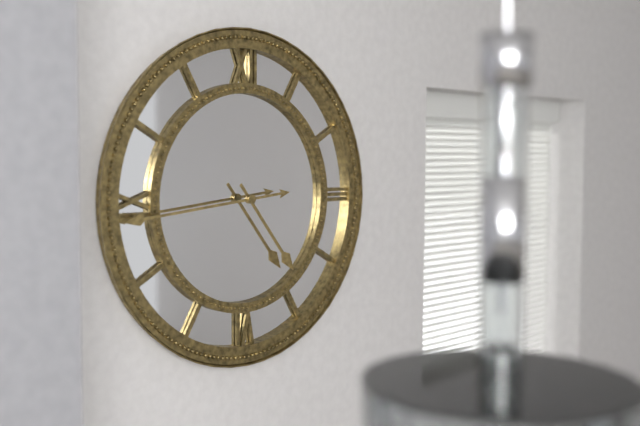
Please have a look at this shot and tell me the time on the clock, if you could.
4:44
